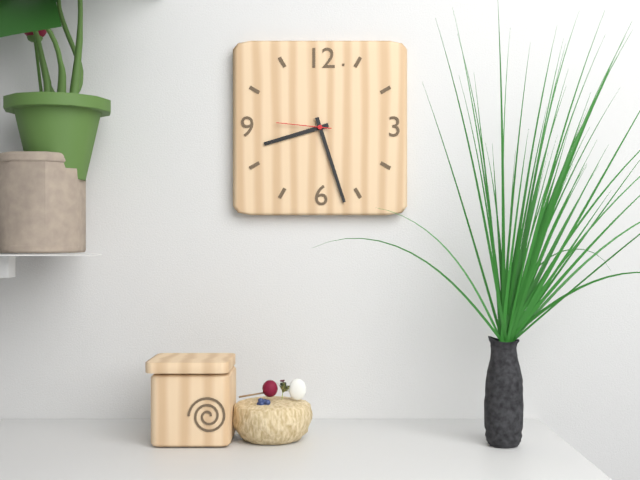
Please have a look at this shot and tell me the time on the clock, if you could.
8:27:46
